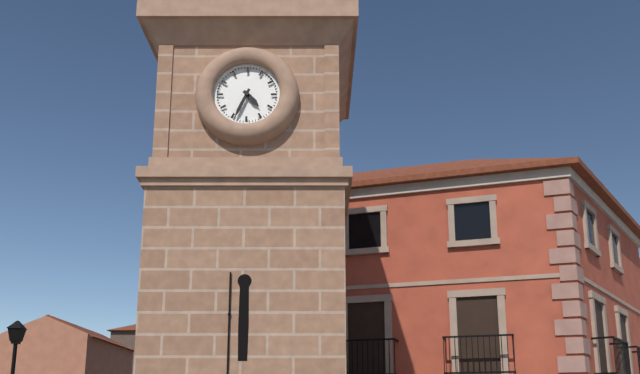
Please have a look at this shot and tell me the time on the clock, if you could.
4:34
